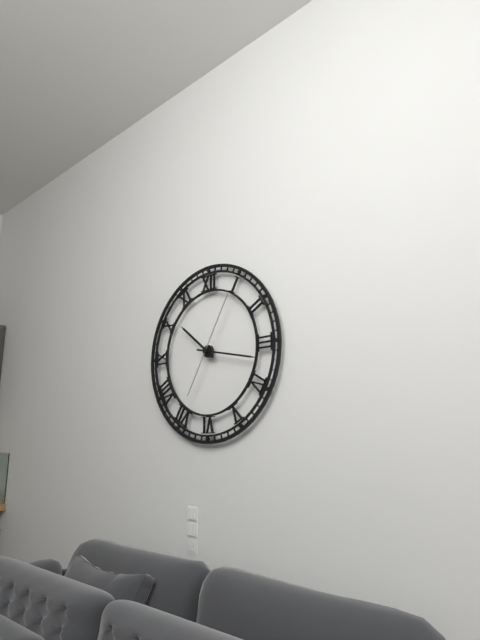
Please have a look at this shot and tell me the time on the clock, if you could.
10:17:05
